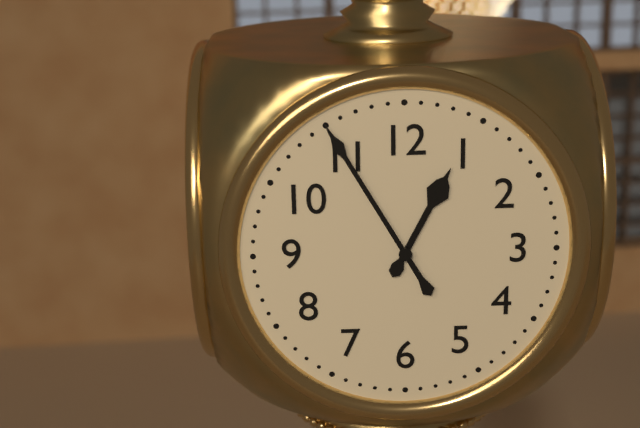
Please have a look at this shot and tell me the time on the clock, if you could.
12:55
